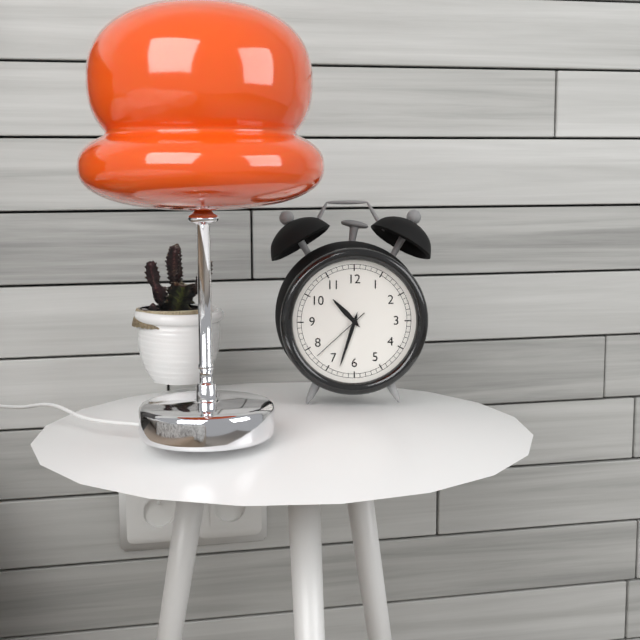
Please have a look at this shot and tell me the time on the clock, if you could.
10:33:38
